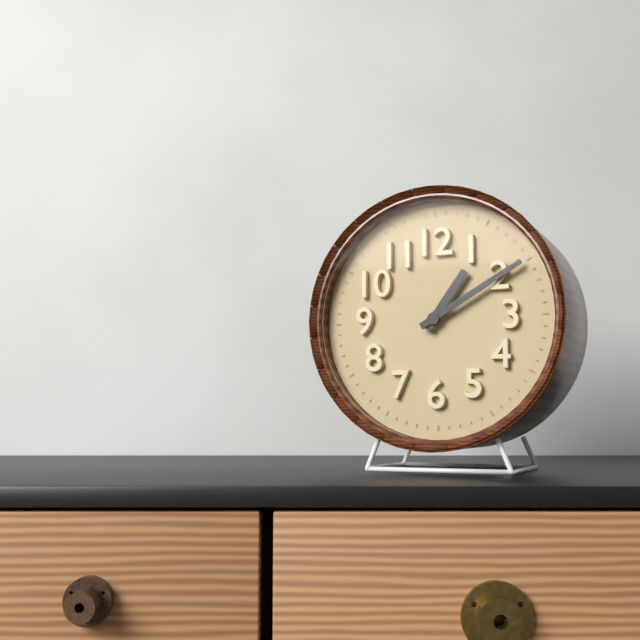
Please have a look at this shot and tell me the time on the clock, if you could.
1:10
